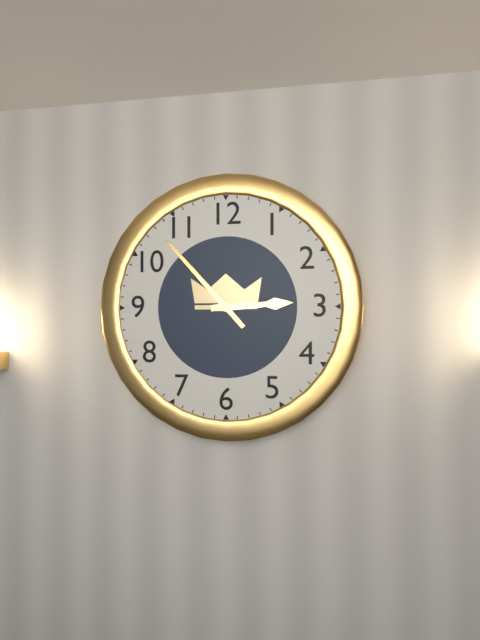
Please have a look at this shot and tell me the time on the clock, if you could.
2:53
